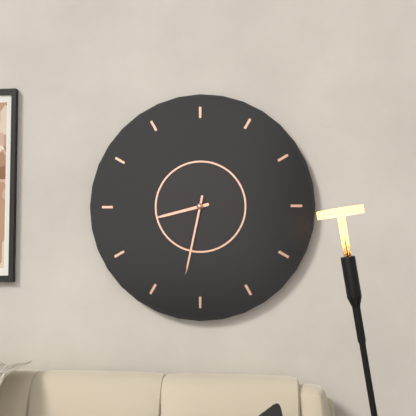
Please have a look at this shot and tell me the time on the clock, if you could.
8:32
